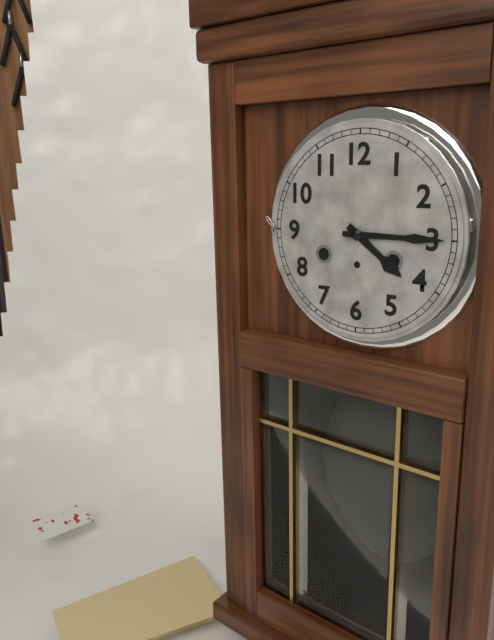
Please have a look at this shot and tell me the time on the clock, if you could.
4:15
